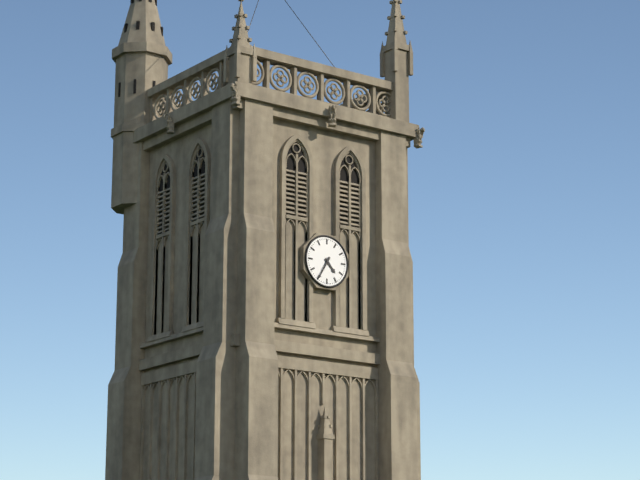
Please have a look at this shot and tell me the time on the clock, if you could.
4:35
